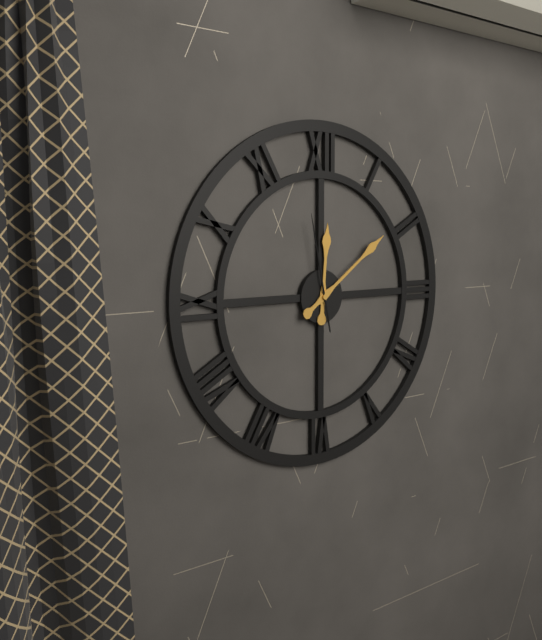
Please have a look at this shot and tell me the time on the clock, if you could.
12:09:58
